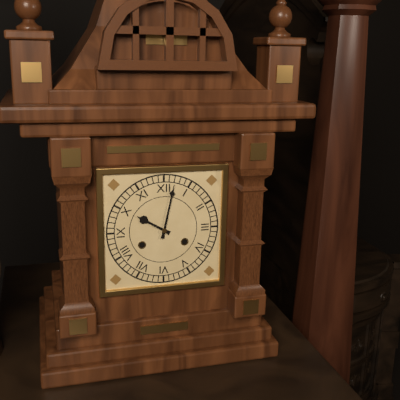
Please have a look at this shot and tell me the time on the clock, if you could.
10:02
